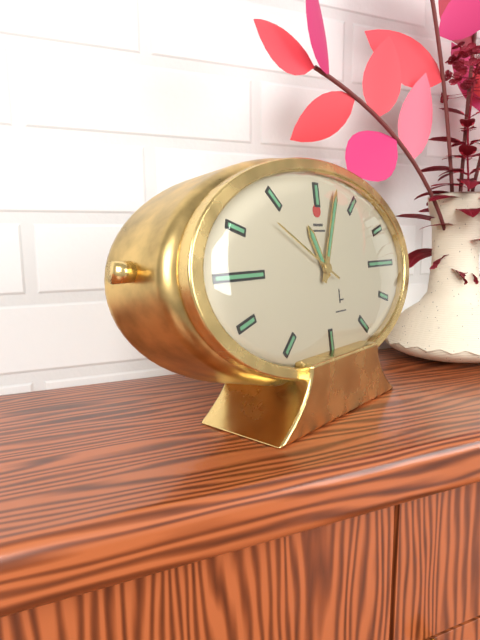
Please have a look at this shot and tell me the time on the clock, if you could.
11:04:50
